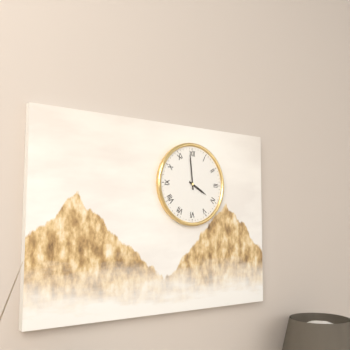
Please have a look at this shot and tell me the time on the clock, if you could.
3:59
